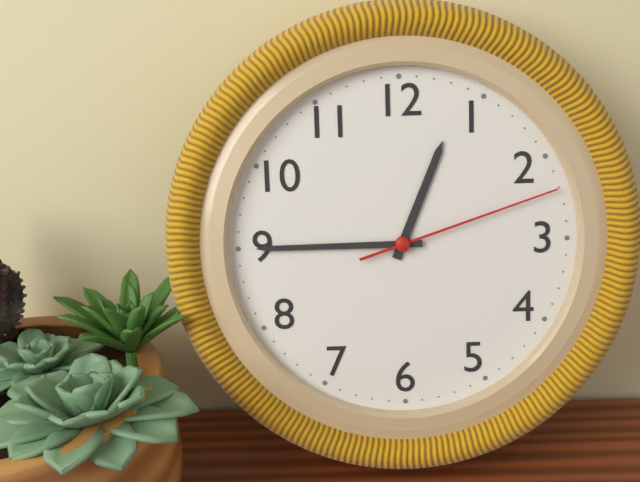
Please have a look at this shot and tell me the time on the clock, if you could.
12:45:12
